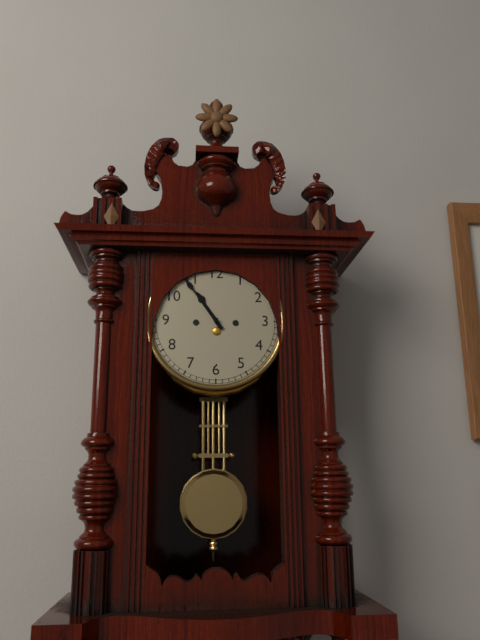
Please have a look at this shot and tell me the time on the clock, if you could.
10:54
